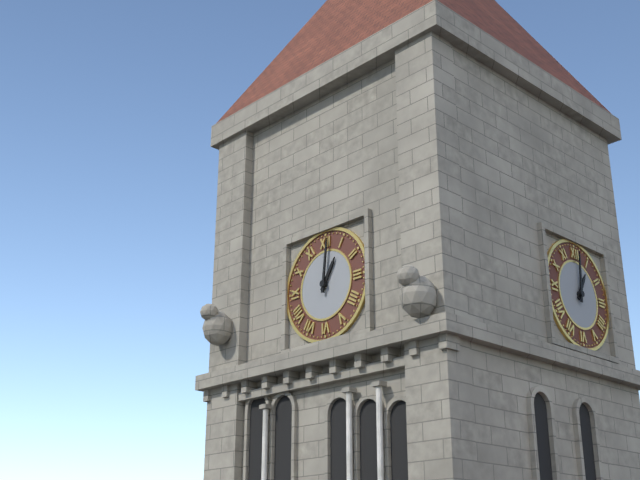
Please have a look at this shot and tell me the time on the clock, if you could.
1:01
